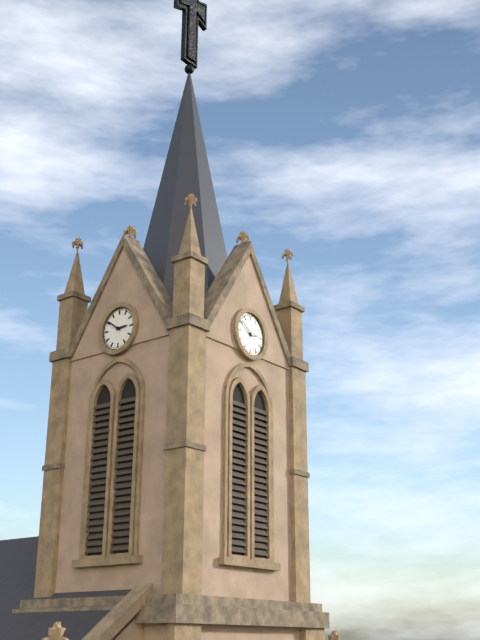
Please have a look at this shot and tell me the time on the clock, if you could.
2:51
